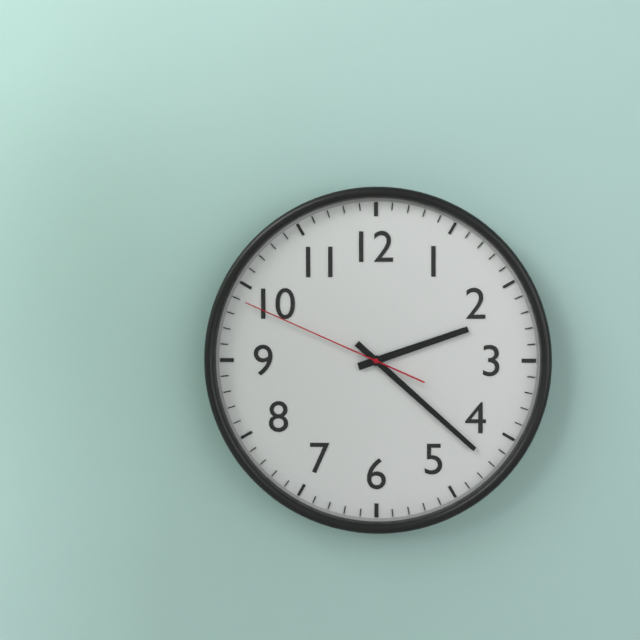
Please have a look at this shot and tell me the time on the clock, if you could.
2:22:49
